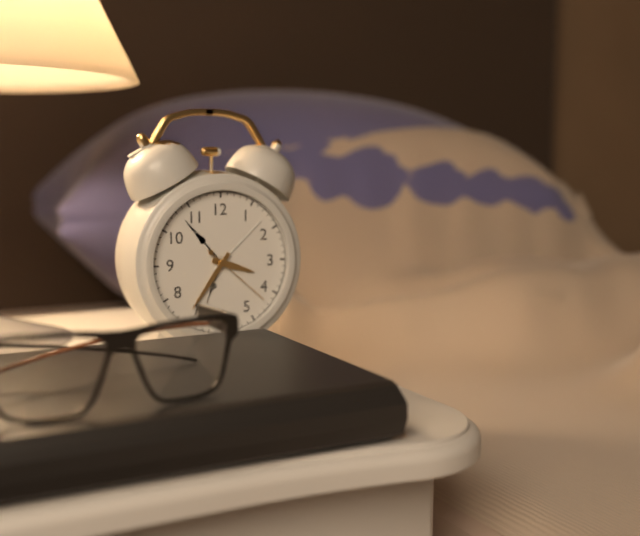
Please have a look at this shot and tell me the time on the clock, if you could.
3:36:22
